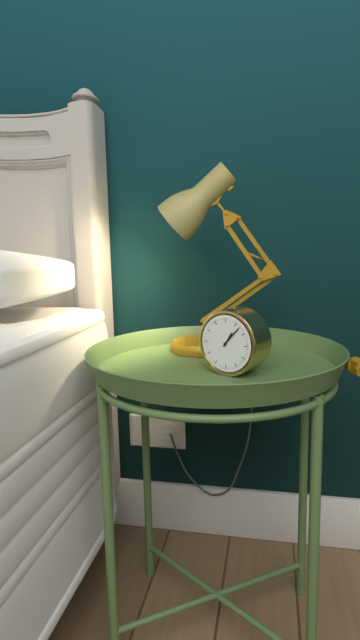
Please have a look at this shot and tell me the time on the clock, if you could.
1:07
